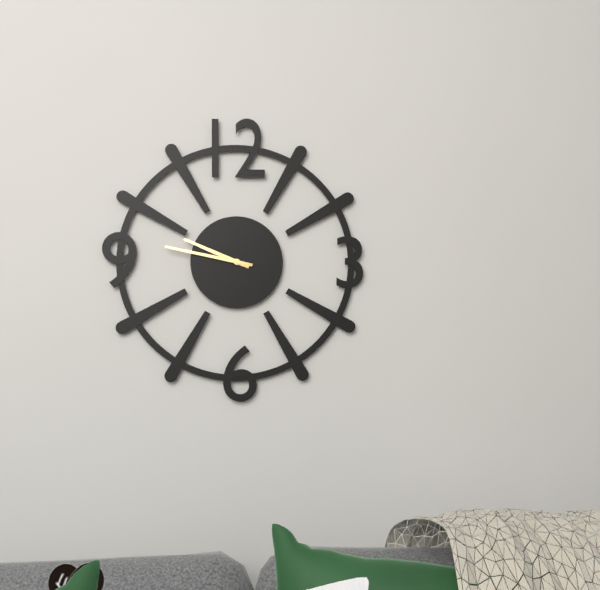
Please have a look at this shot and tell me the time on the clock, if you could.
9:47
